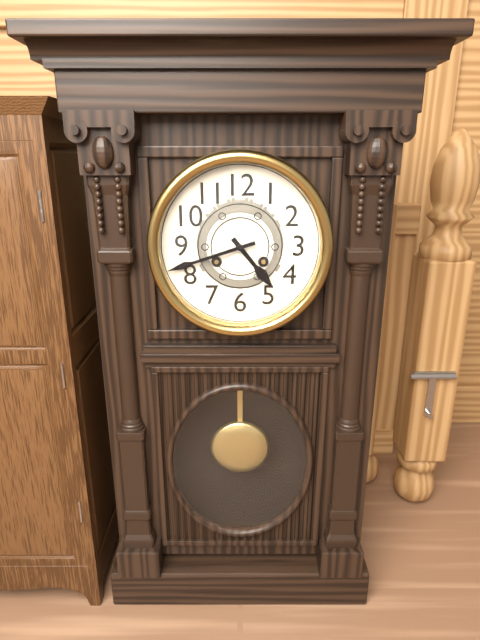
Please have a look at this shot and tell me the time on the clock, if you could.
4:42
